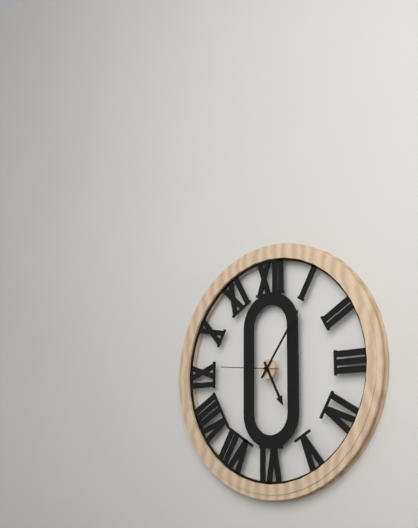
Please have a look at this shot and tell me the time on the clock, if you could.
5:06:46
